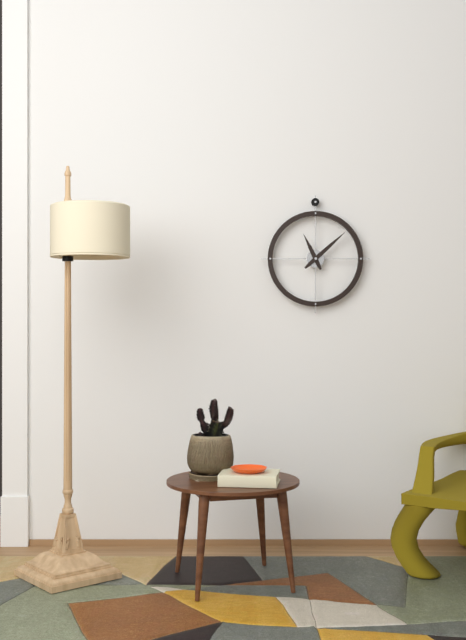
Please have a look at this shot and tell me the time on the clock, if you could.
11:08
